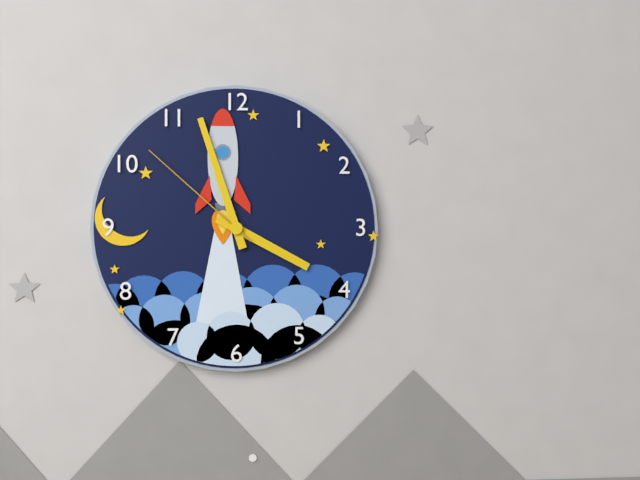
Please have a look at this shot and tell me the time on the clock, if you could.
3:57:52
